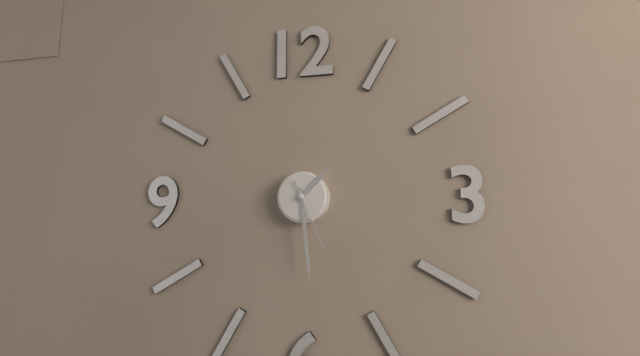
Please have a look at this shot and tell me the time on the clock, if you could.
1:29:26
